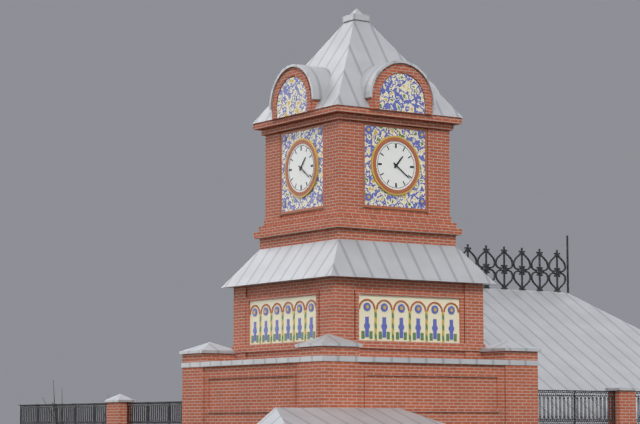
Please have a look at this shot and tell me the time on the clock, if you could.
1:21
